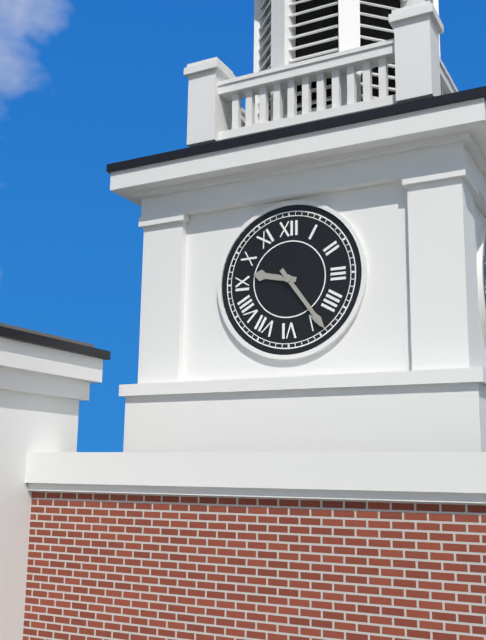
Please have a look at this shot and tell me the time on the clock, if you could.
9:24
